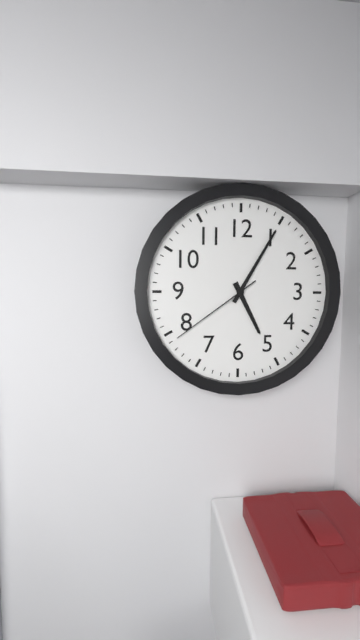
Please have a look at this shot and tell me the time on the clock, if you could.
5:05:39
